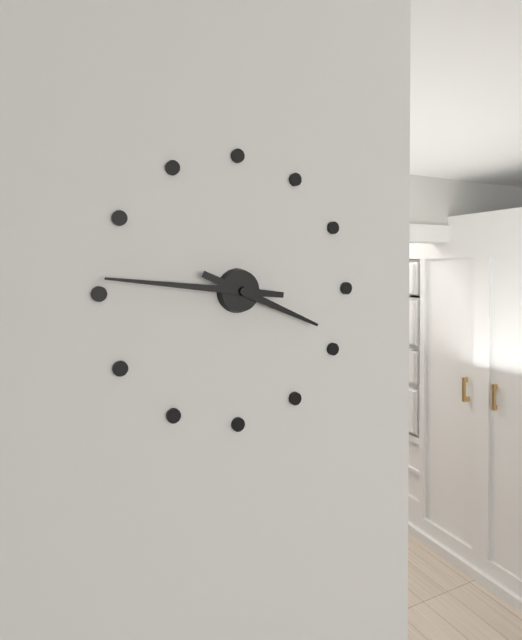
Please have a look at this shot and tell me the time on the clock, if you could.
3:46
